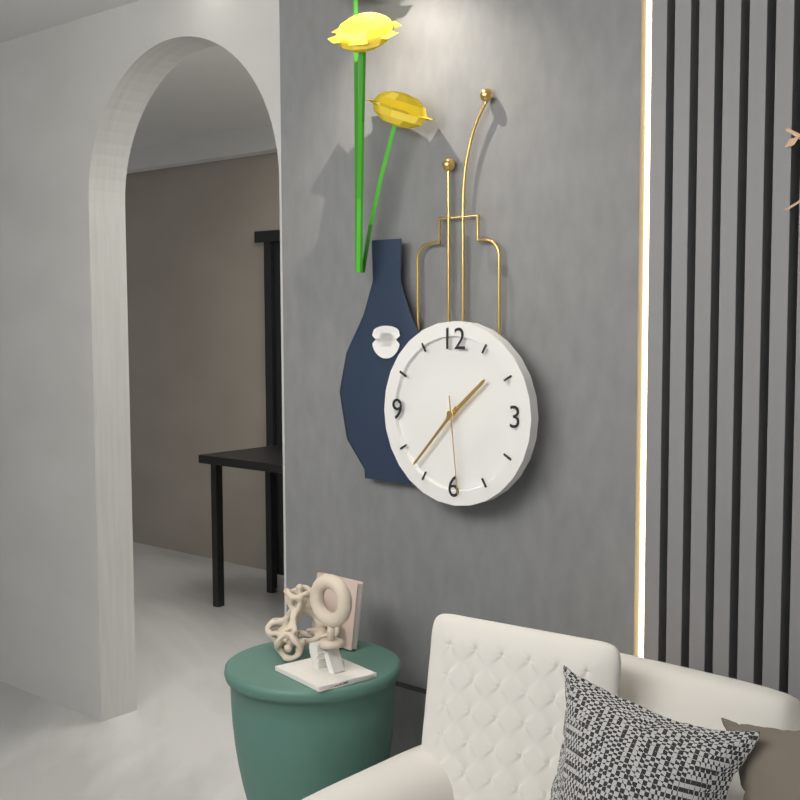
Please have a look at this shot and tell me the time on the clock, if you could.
1:37:29
